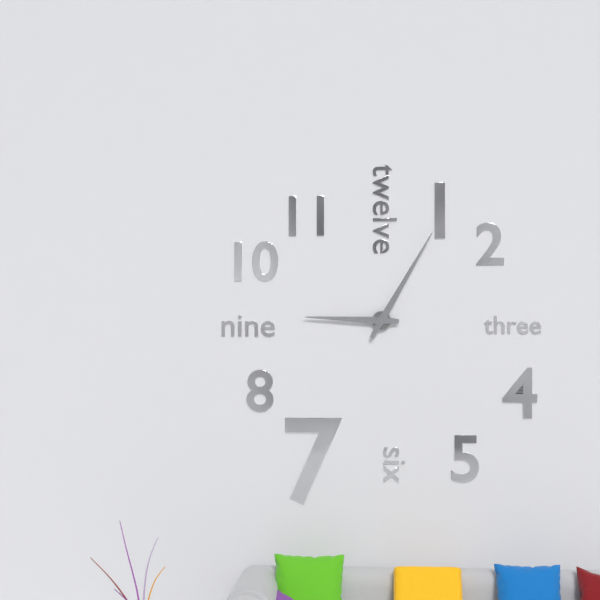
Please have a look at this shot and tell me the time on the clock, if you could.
9:05
